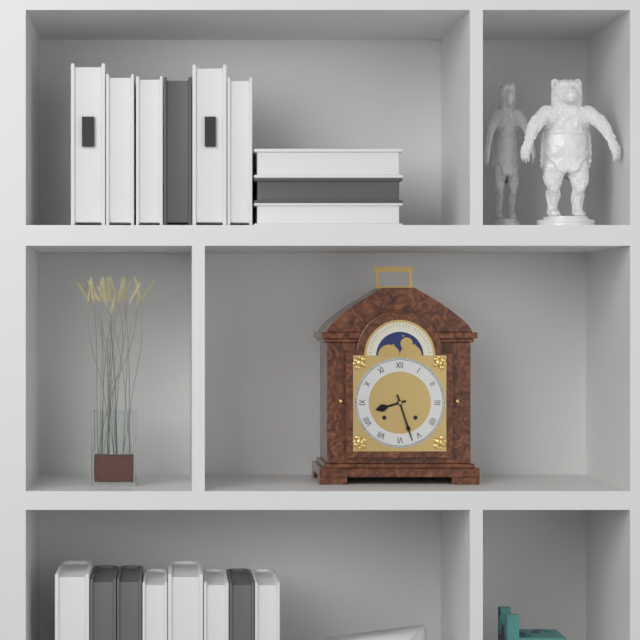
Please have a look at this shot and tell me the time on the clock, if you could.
8:27
